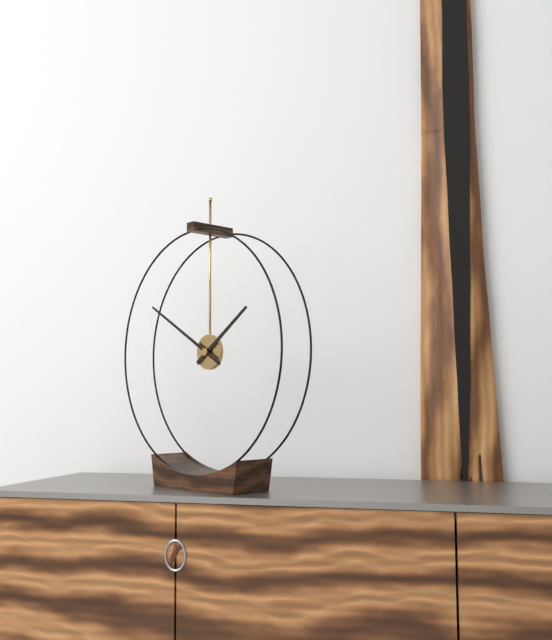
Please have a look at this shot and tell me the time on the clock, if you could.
1:50
